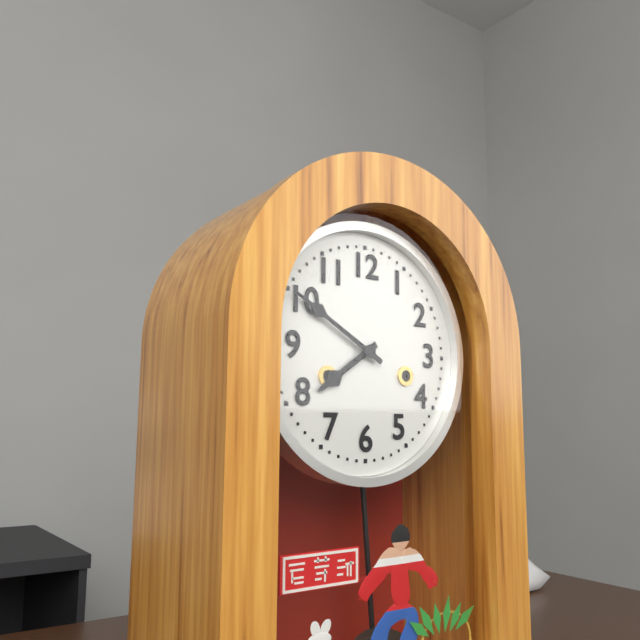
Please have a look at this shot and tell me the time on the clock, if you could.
7:50
